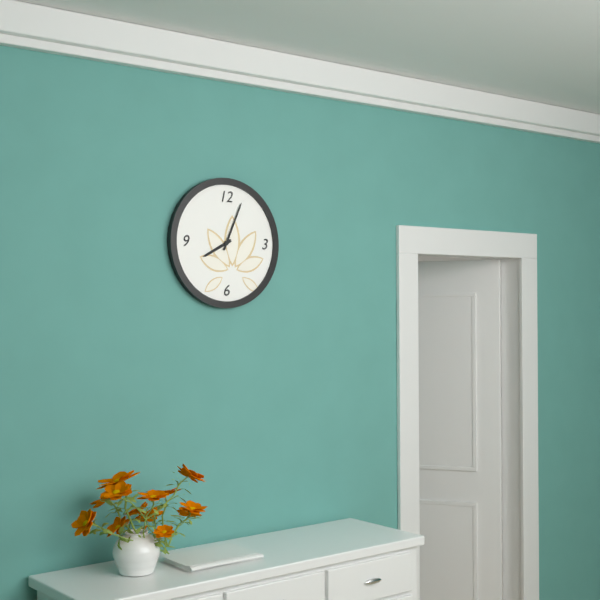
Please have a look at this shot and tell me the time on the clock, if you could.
8:04
